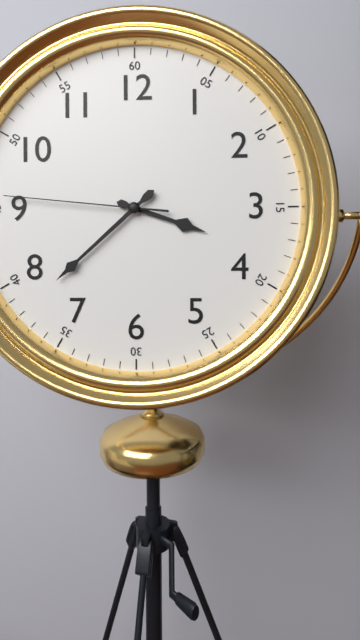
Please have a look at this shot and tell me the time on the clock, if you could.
3:38:46
